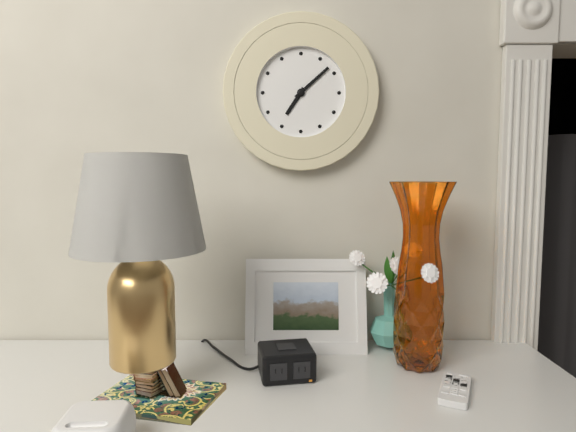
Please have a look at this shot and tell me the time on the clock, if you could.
7:08
